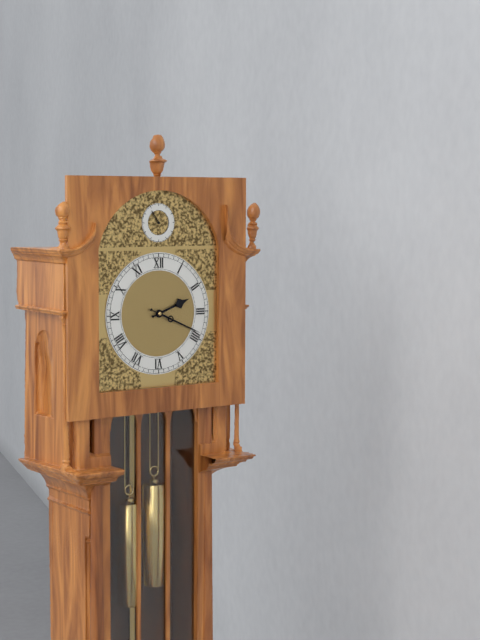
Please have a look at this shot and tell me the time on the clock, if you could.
2:19
